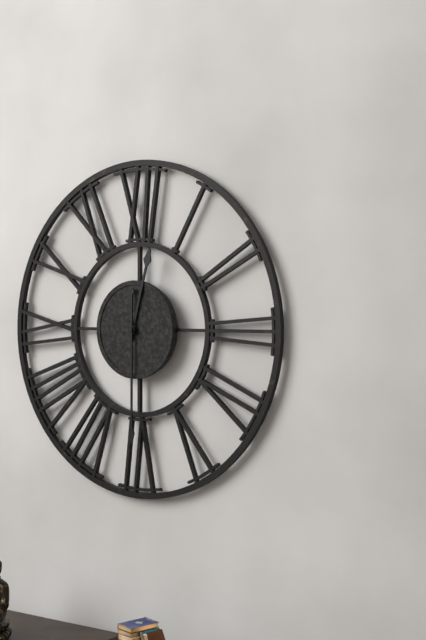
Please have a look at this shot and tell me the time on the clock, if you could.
12:30
